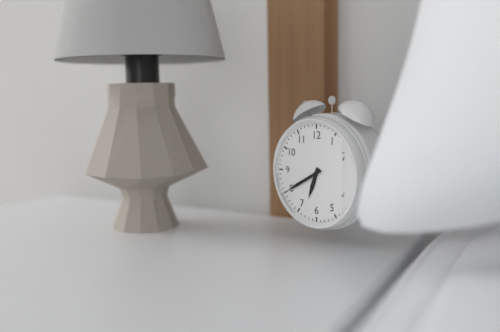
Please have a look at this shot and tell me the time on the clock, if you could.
6:40
